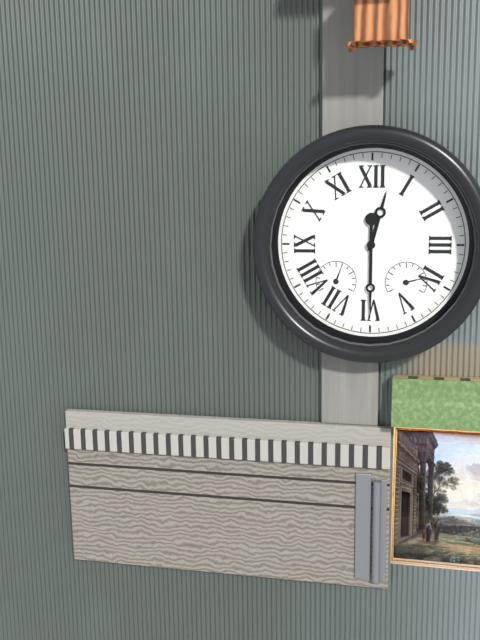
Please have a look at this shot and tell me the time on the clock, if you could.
12:30
